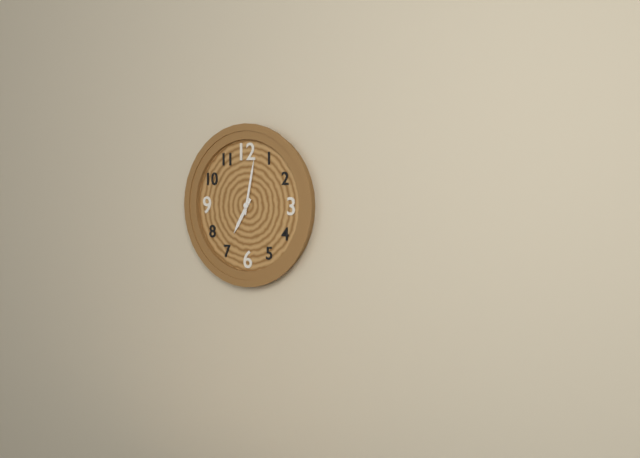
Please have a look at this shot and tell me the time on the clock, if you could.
7:02
